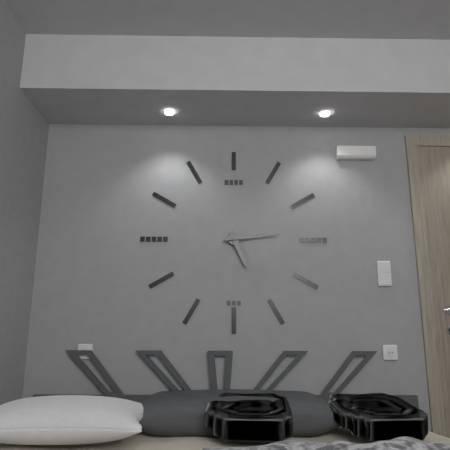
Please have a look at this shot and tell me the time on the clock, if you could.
5:14
